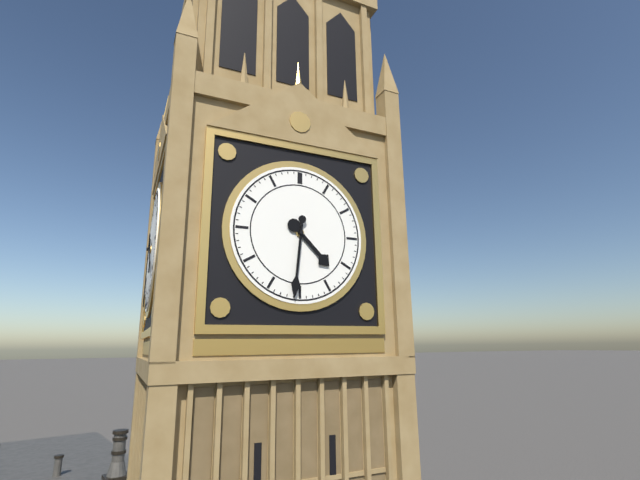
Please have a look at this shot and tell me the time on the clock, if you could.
4:31
